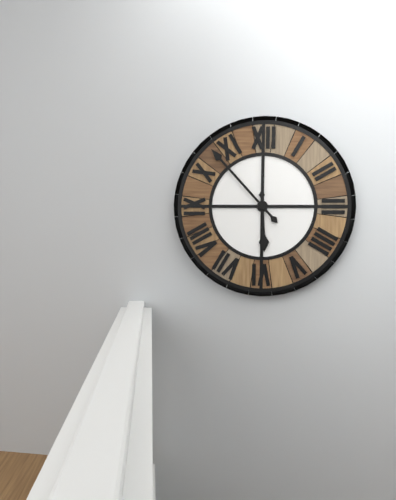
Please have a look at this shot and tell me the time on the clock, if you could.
5:53
